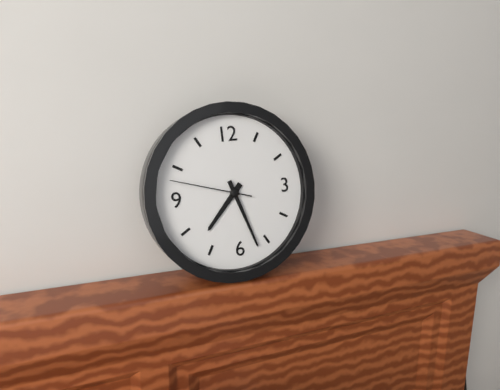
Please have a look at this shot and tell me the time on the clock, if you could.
7:27:48
